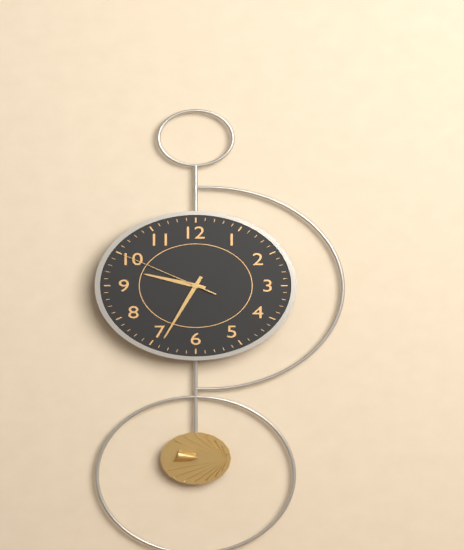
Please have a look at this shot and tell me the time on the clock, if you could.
9:34:50
